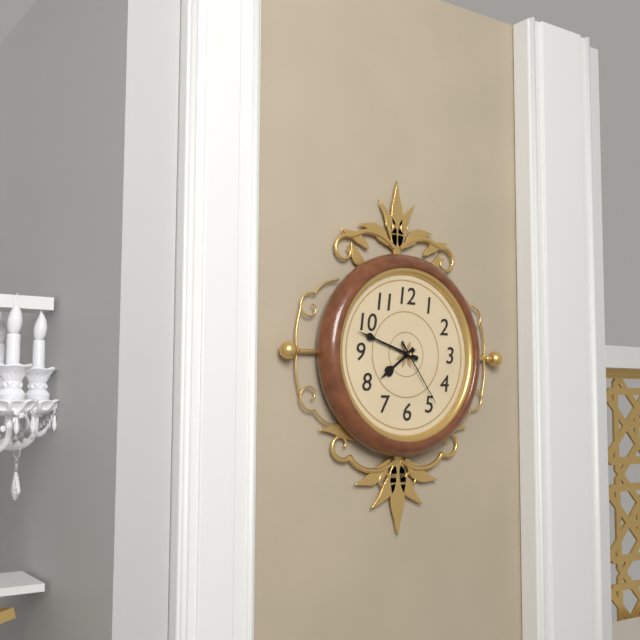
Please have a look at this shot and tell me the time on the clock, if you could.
7:48:24
